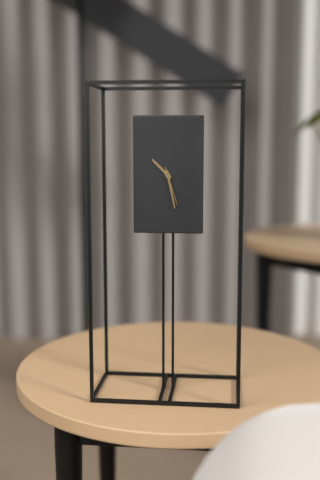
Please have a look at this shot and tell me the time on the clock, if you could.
10:28
